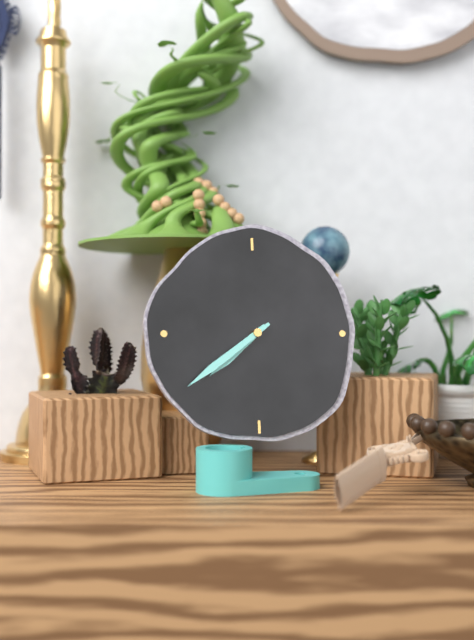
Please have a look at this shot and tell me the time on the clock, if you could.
7:39
